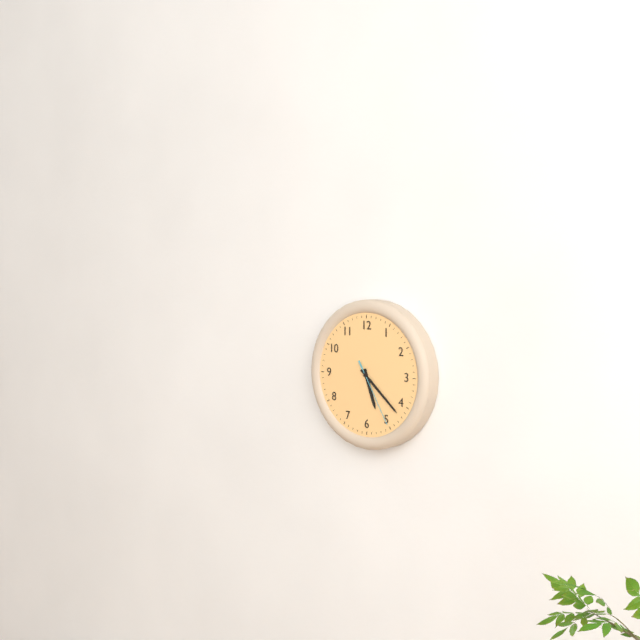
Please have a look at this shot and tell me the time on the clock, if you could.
5:22:25
